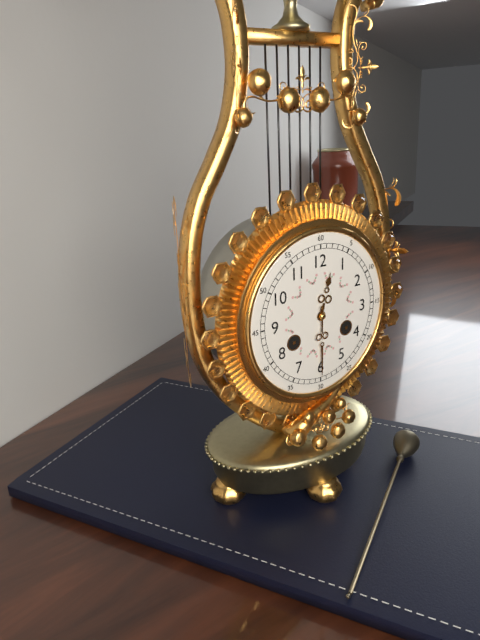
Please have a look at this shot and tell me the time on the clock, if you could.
12:30
